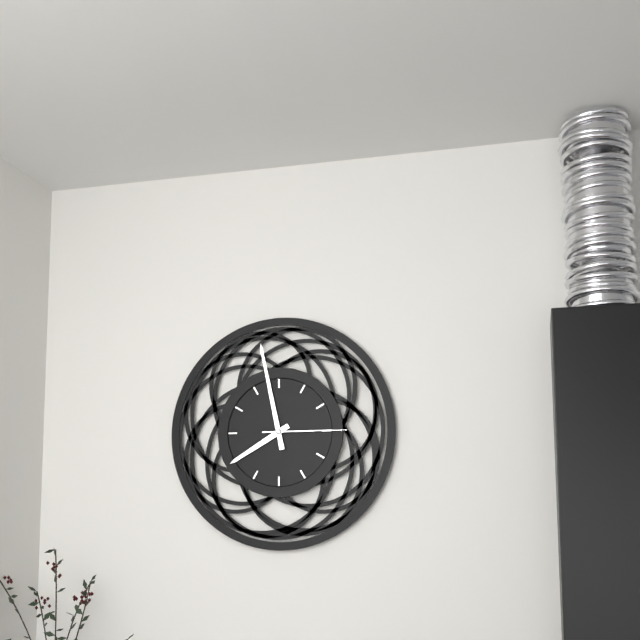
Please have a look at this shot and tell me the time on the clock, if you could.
7:58:15
